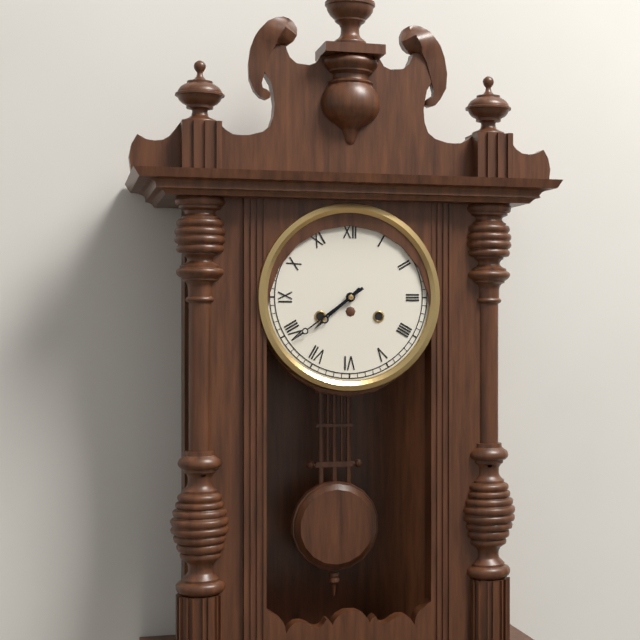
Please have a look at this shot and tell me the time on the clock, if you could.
7:39
